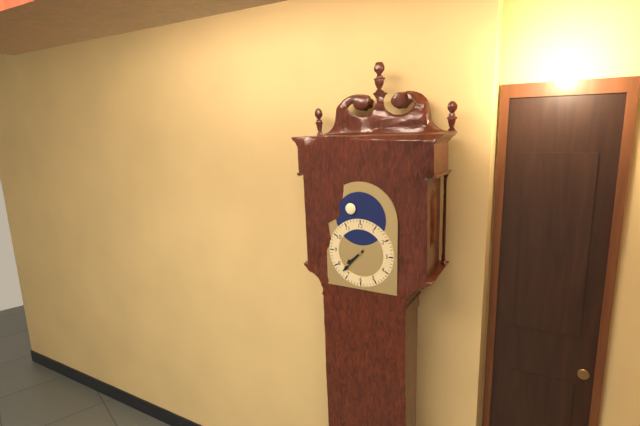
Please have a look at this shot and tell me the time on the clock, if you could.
7:37
